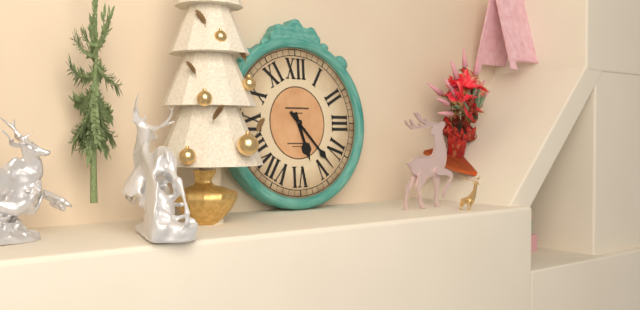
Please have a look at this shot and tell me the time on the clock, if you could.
5:23
